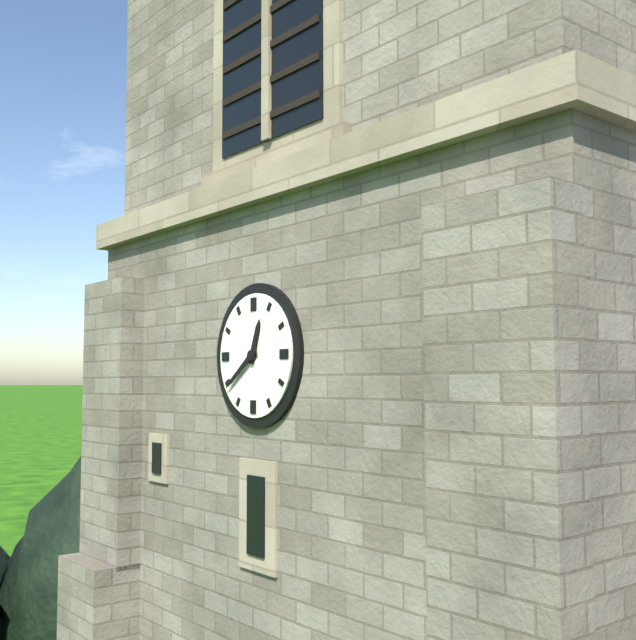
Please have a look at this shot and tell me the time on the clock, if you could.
12:39
